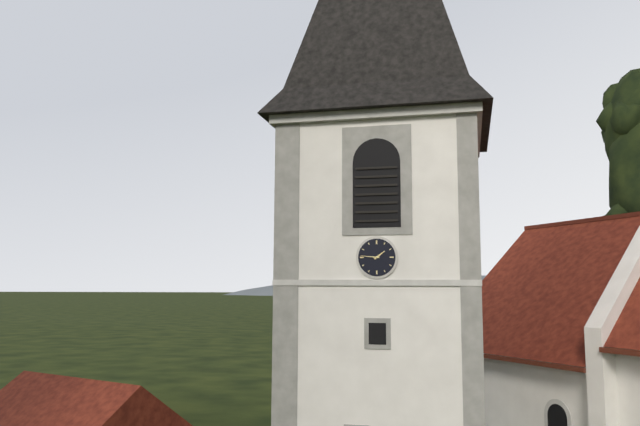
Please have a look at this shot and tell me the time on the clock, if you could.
1:46
